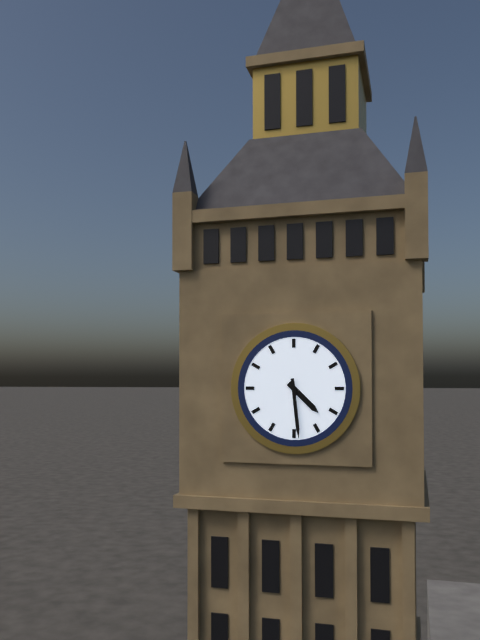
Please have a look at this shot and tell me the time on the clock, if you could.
4:29
